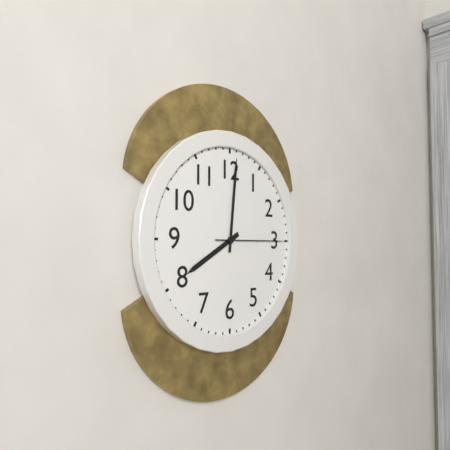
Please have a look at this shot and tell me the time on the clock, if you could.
8:01:15
